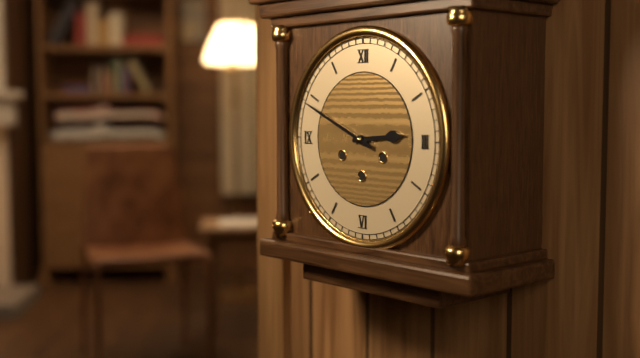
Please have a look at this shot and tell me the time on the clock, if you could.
2:49
